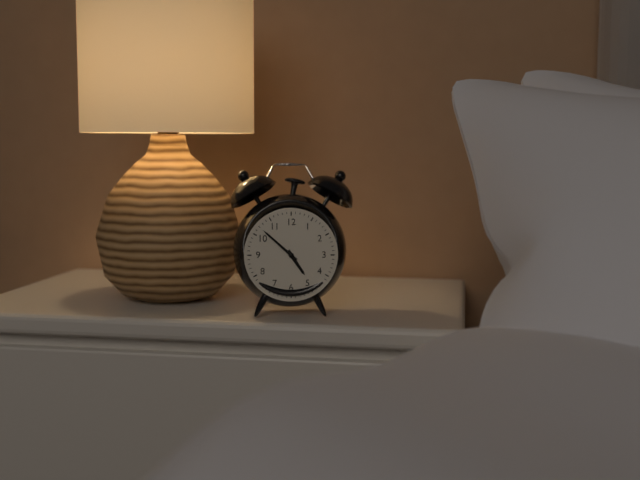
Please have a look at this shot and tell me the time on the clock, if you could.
4:52
